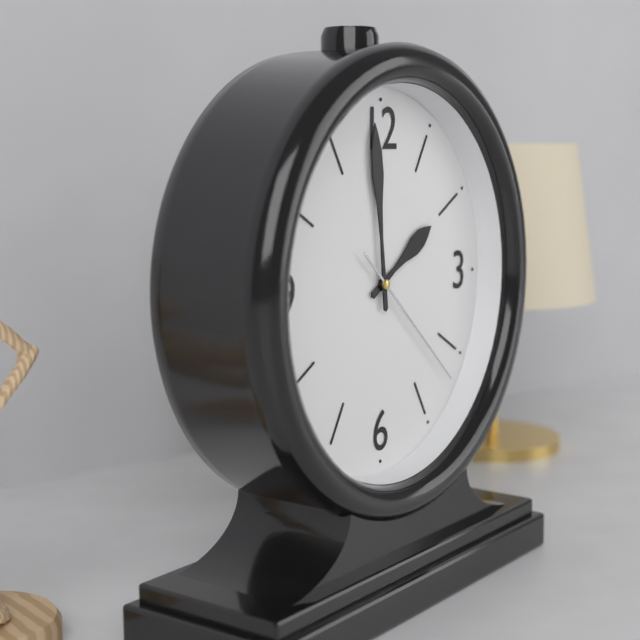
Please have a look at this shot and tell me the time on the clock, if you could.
1:59:22
